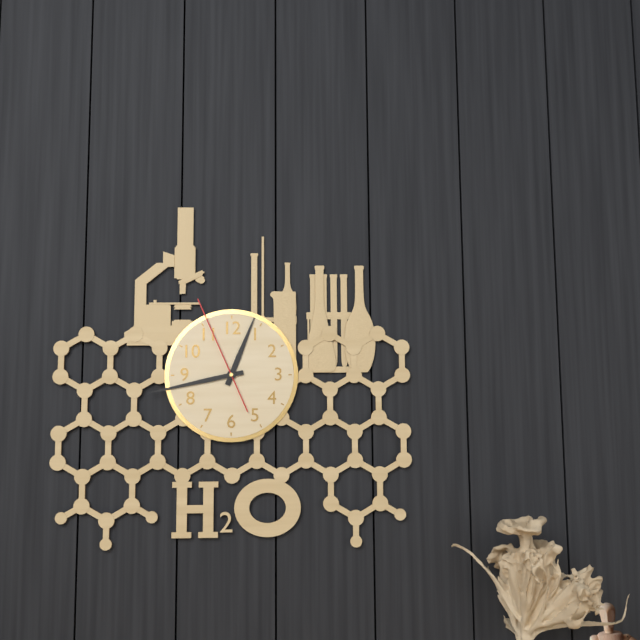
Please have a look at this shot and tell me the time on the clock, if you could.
12:43:56
